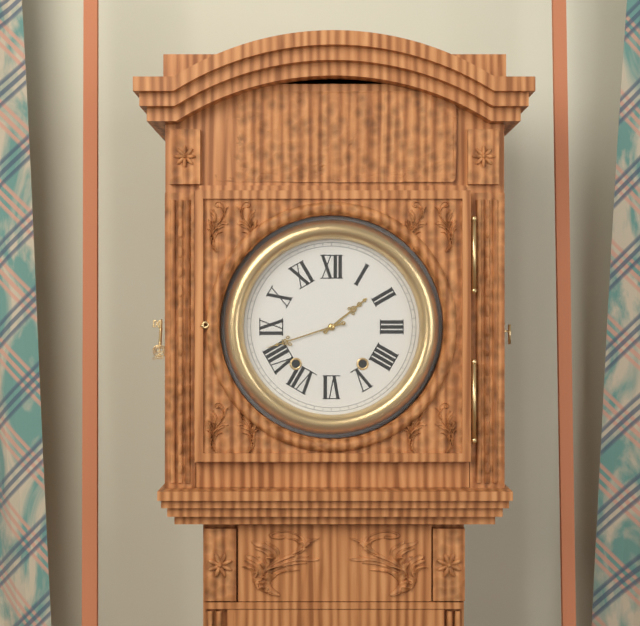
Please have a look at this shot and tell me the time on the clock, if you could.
1:42
